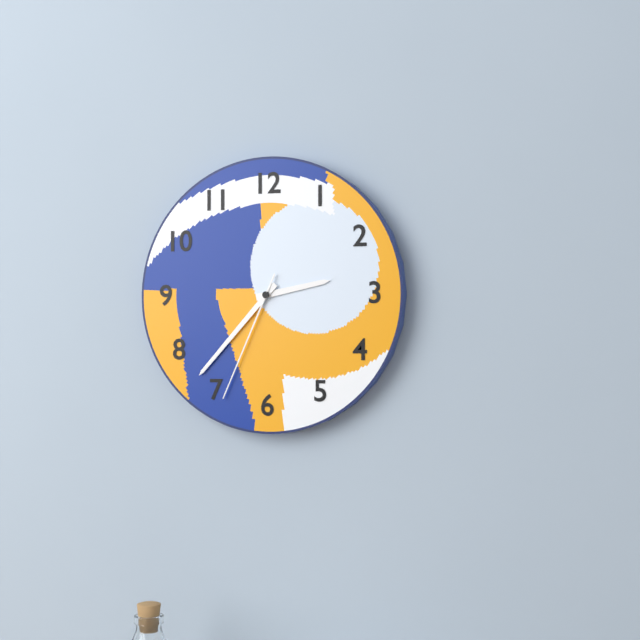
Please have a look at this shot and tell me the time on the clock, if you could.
2:37:34
